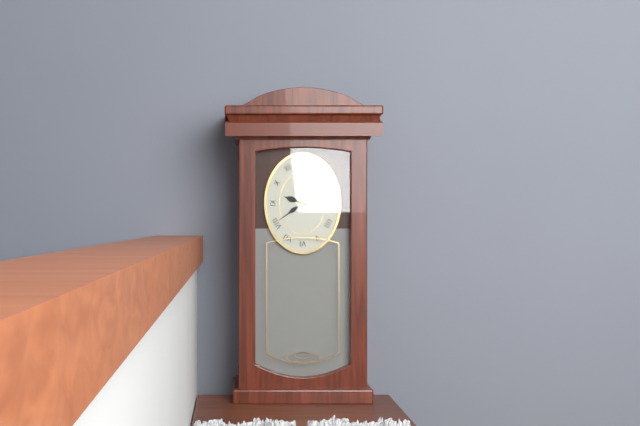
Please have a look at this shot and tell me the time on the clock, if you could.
9:39
